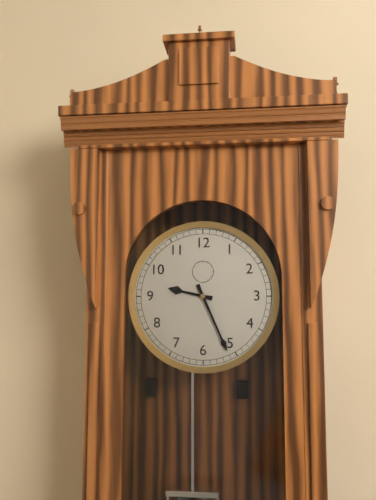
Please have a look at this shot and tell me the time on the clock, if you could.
9:26
